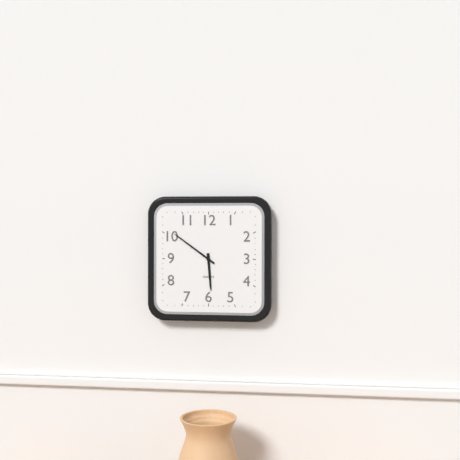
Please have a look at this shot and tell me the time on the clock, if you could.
5:51
